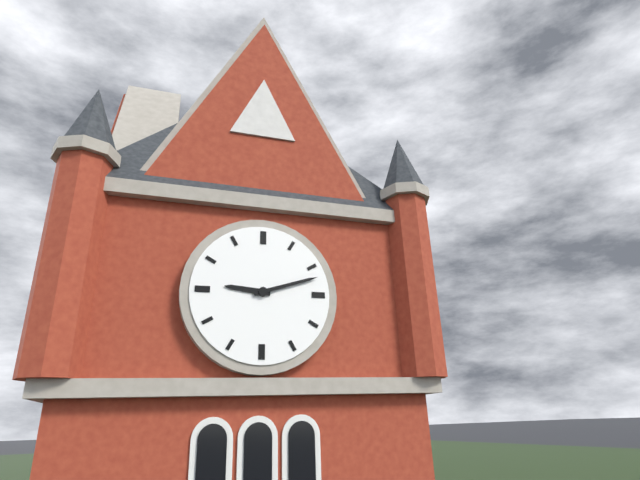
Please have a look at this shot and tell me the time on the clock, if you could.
9:12
